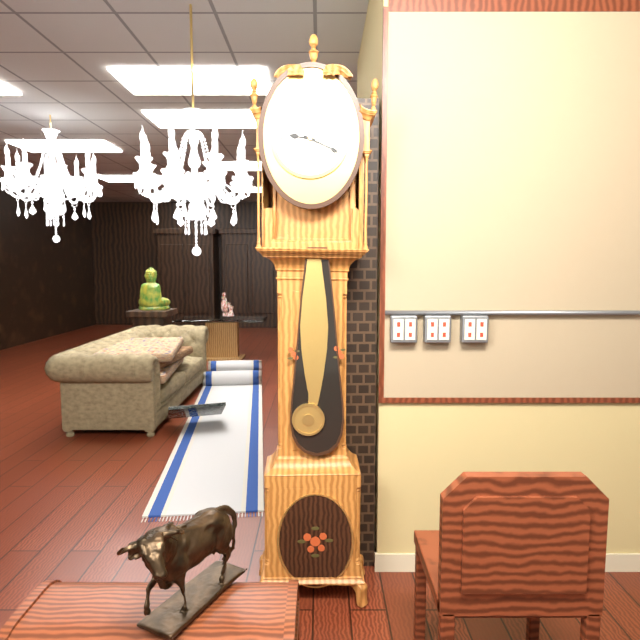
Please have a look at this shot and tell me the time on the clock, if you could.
9:19
